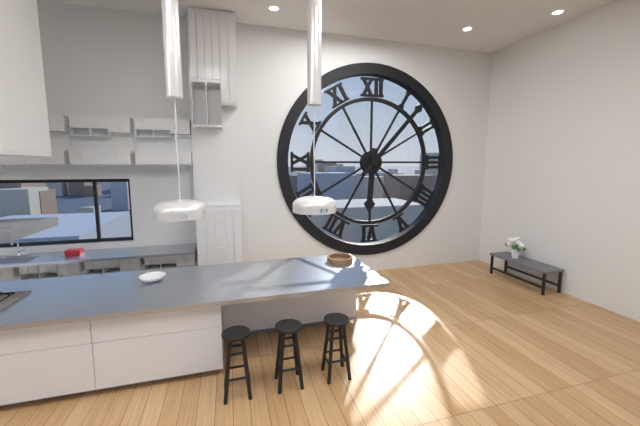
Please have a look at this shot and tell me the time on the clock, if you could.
6:07
